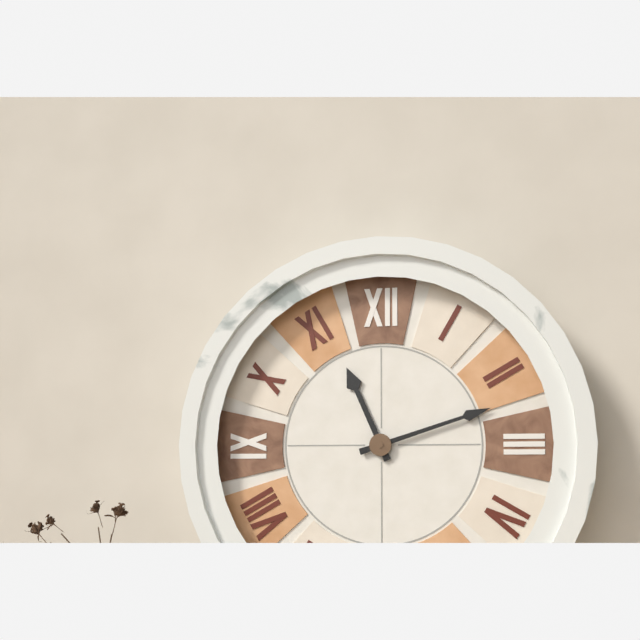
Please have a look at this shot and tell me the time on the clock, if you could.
11:12
